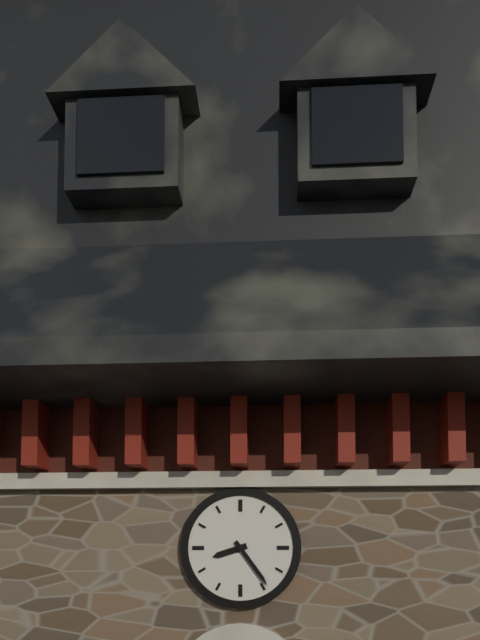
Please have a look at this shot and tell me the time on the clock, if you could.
8:24
